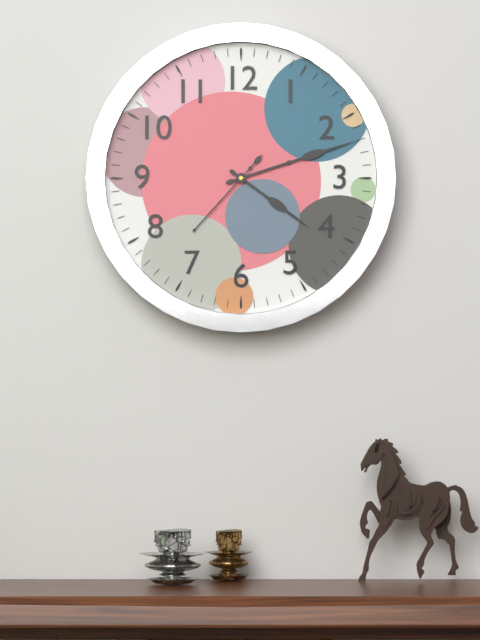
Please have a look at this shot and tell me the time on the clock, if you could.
4:12:37
